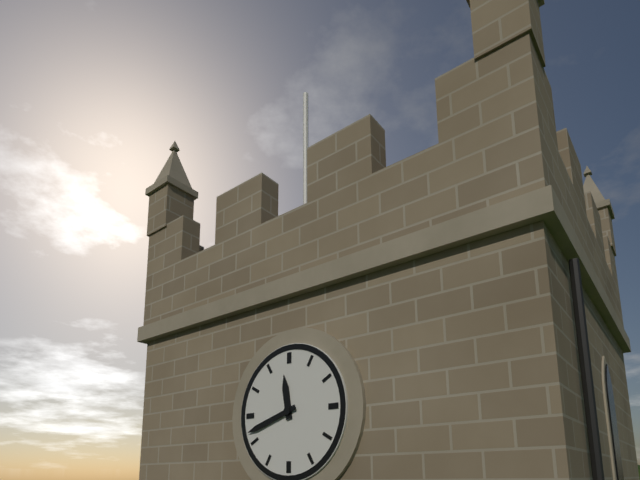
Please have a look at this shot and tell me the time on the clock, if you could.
11:42
